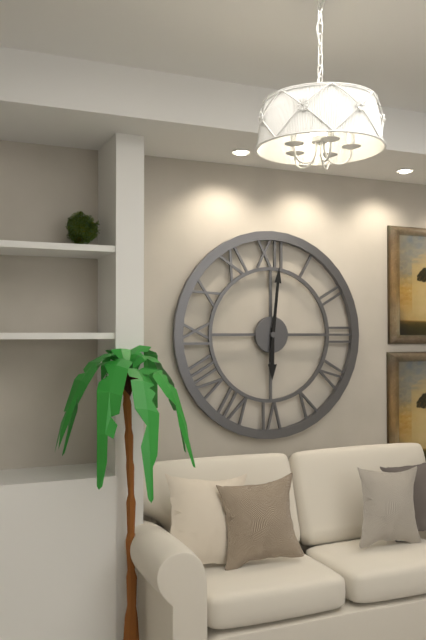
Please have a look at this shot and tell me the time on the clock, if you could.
6:01
